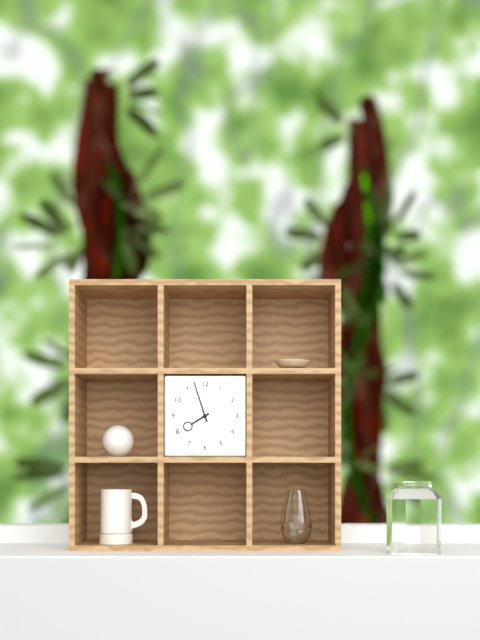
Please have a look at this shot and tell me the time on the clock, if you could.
7:57
